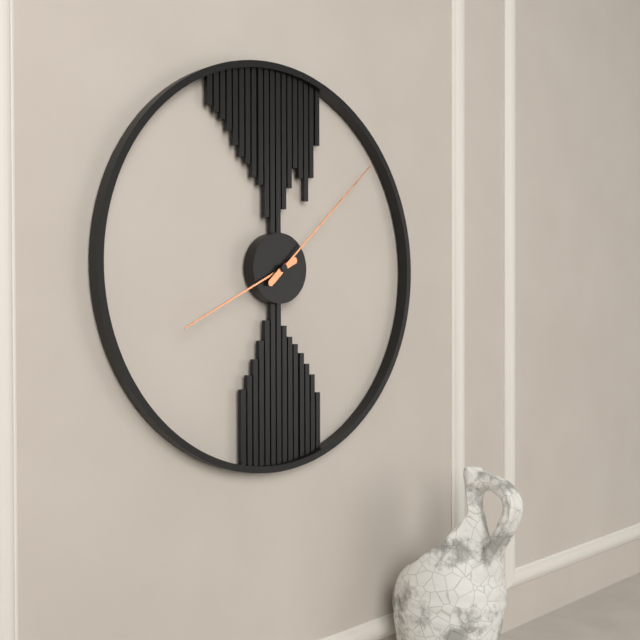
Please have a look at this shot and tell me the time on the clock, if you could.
8:08
